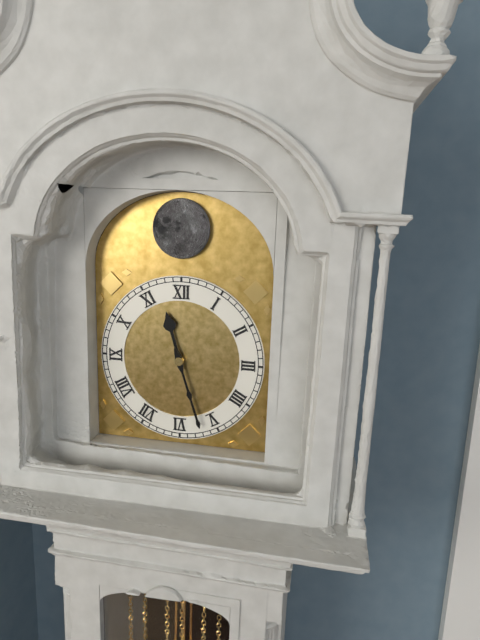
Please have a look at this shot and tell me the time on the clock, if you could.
11:27
